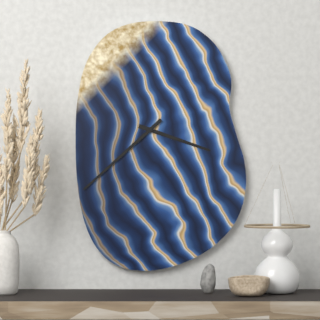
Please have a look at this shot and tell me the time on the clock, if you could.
3:38
